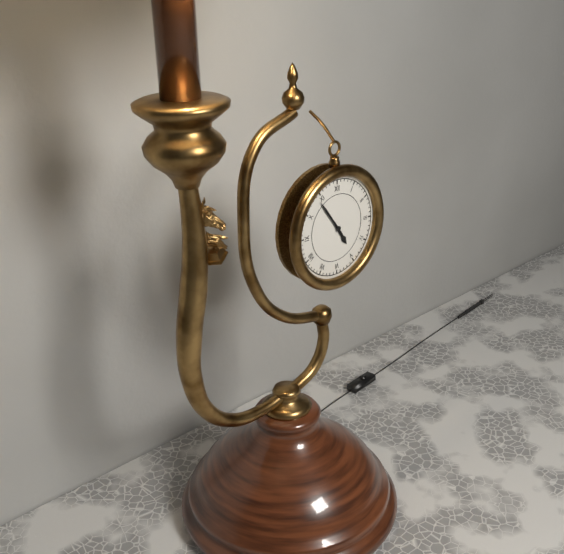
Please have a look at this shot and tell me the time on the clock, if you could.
4:54
